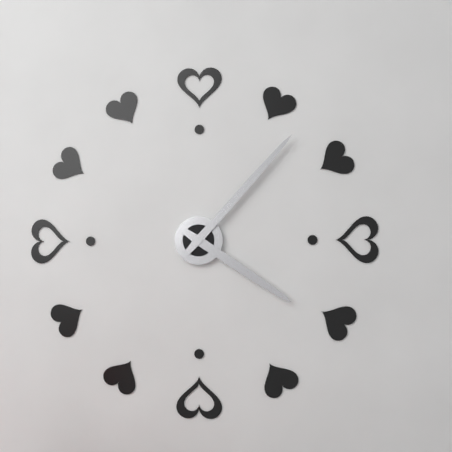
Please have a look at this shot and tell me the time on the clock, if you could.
4:07
